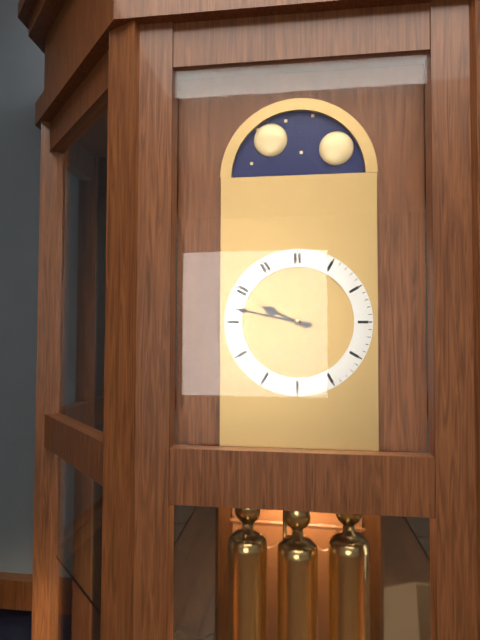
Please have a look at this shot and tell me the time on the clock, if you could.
9:47
